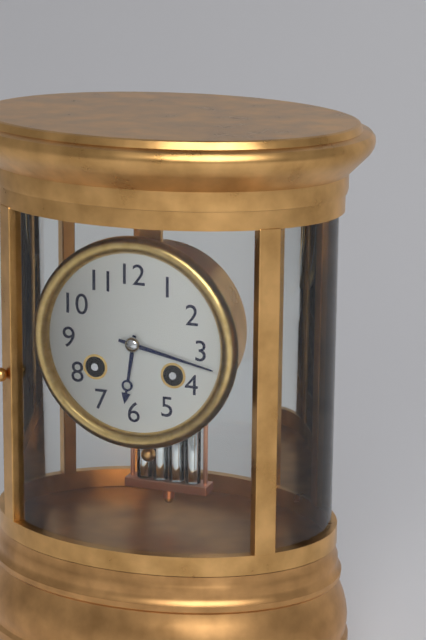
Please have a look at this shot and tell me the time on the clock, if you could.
6:17
